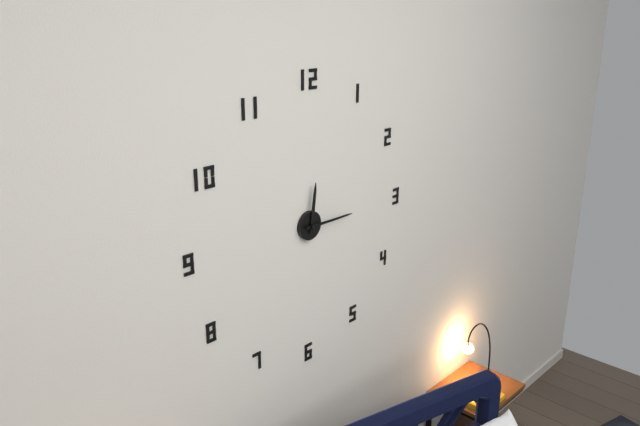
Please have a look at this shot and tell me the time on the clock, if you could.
12:15
